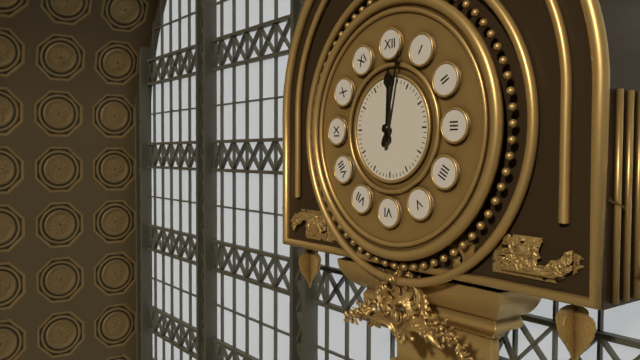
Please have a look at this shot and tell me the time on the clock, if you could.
12:02
